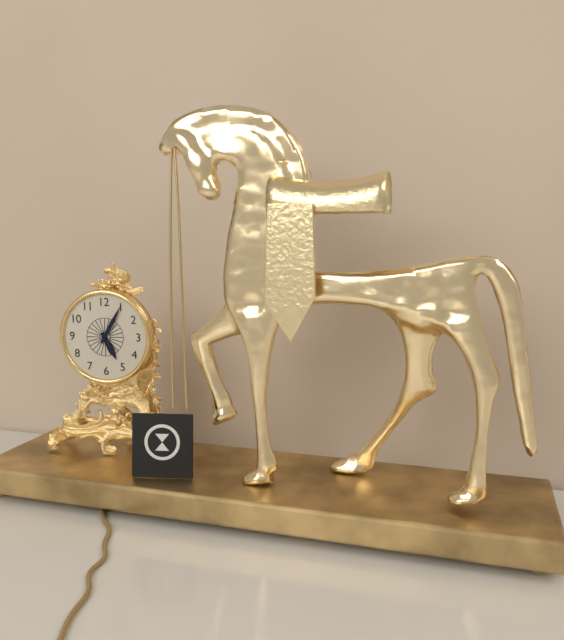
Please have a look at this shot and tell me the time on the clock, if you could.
5:05
